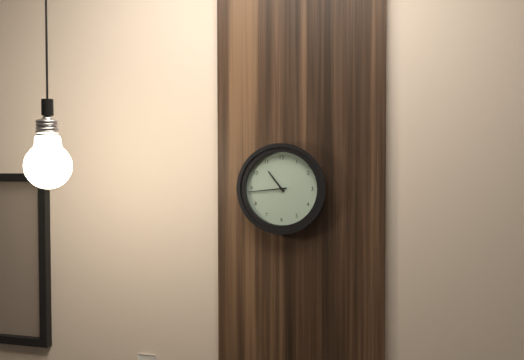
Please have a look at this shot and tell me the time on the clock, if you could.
10:44
